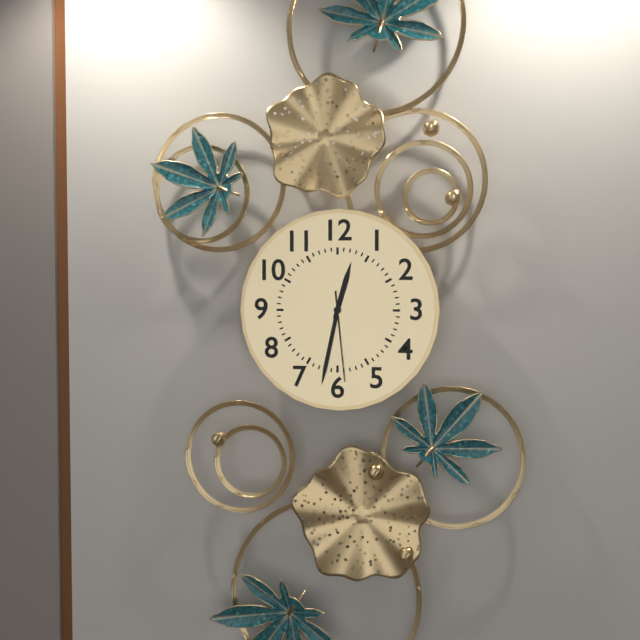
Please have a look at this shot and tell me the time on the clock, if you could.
12:32:29
